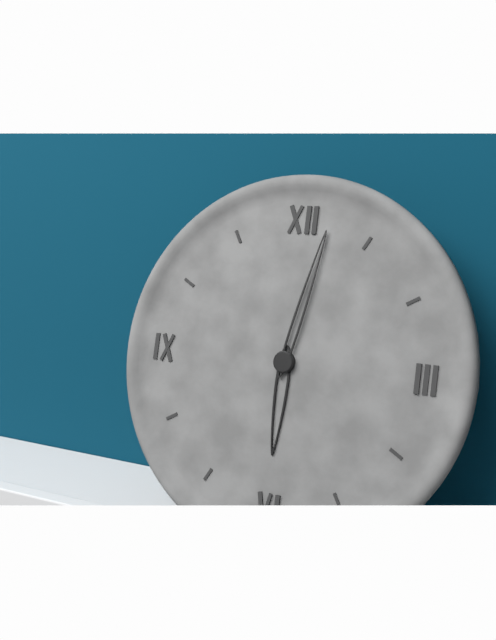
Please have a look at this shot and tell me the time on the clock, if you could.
6:02
